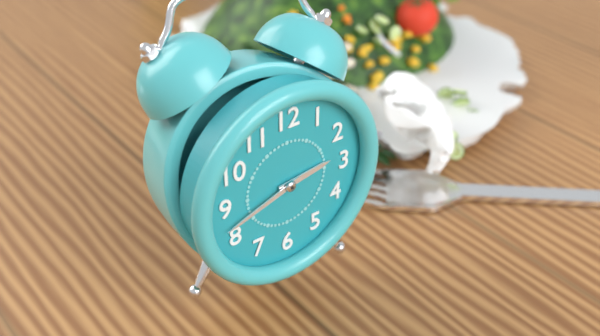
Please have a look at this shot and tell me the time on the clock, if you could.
2:42
